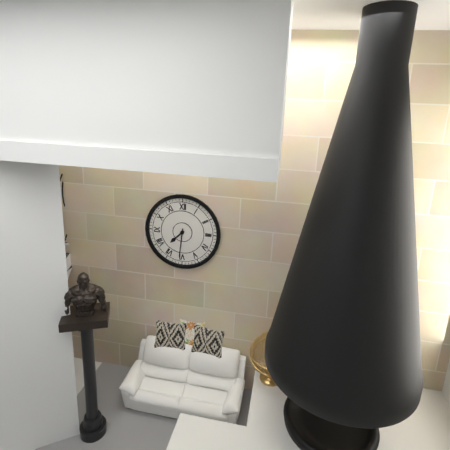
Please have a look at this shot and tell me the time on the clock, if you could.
7:31
